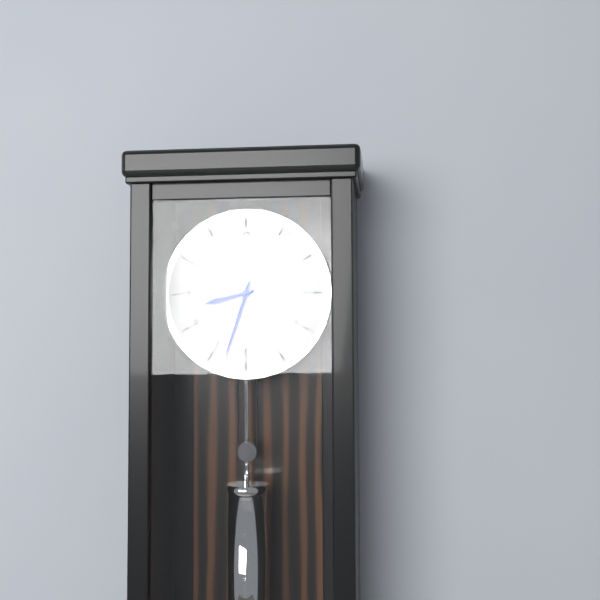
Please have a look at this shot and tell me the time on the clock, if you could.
8:33
